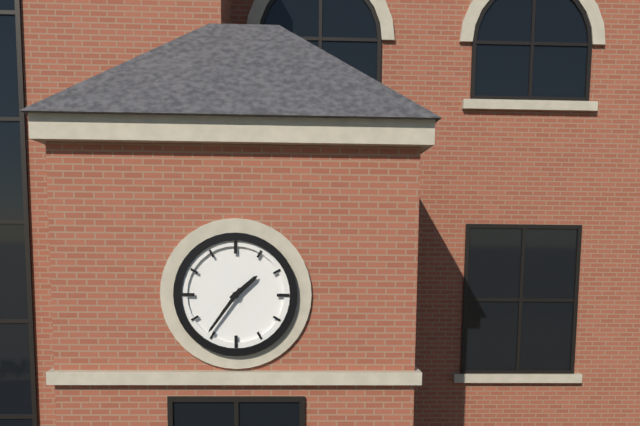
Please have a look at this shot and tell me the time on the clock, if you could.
1:36
